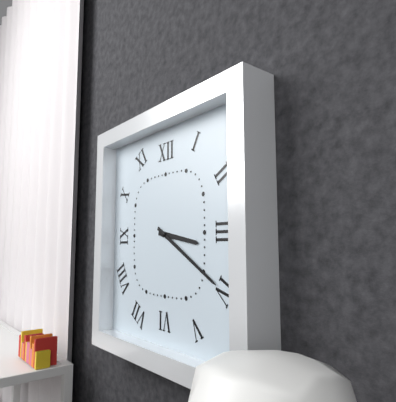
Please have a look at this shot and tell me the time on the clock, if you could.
3:20
